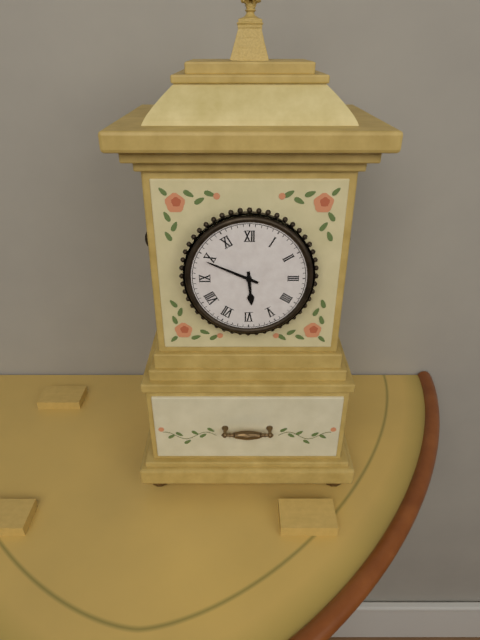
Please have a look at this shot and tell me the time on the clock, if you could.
5:49
